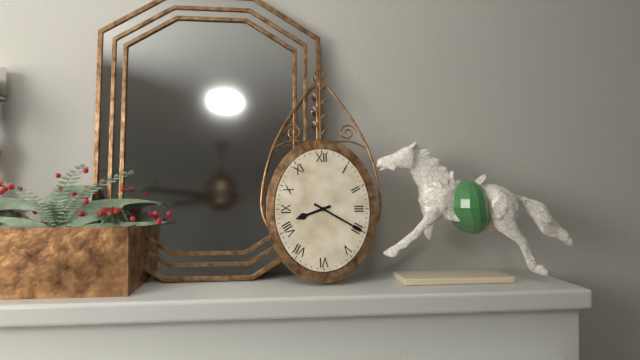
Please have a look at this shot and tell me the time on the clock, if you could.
8:20
